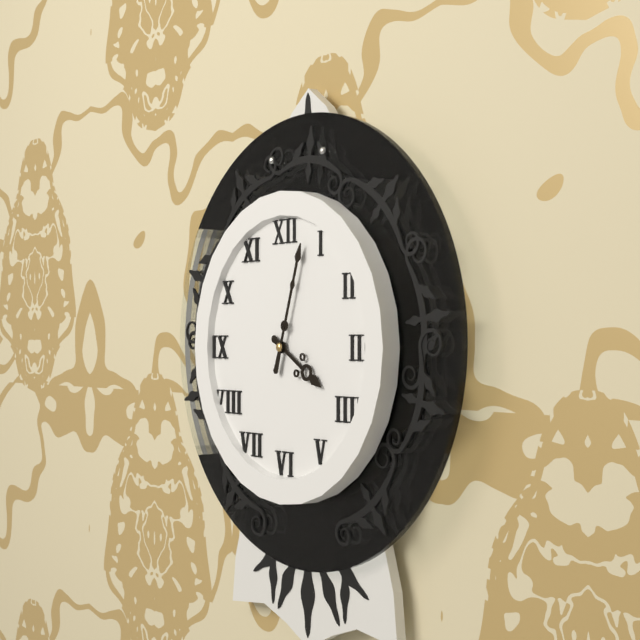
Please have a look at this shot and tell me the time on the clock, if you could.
4:03
